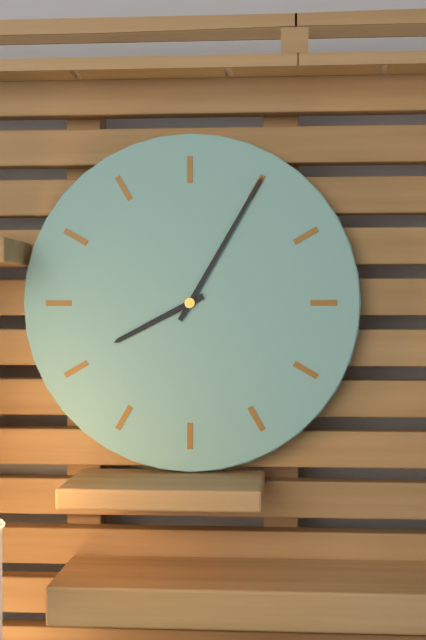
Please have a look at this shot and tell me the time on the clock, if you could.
8:05
